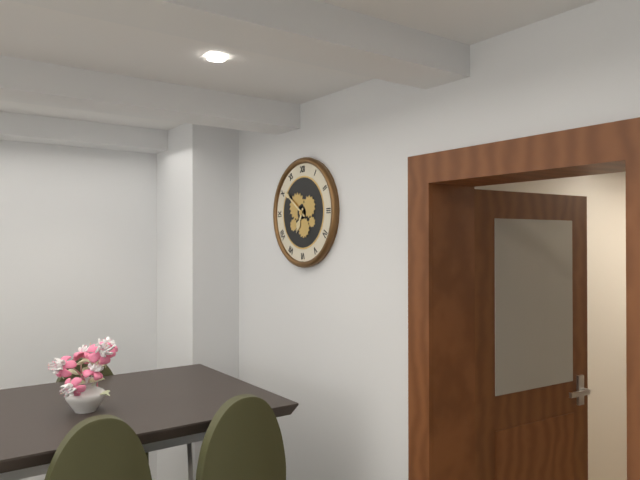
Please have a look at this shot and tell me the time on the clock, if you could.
6:51
